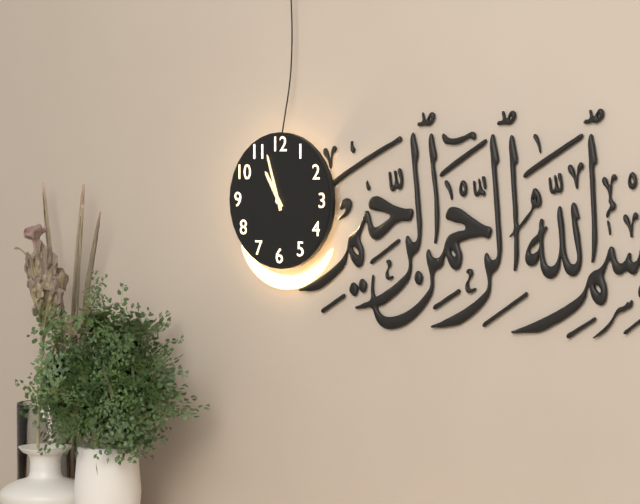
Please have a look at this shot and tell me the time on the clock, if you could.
10:57
